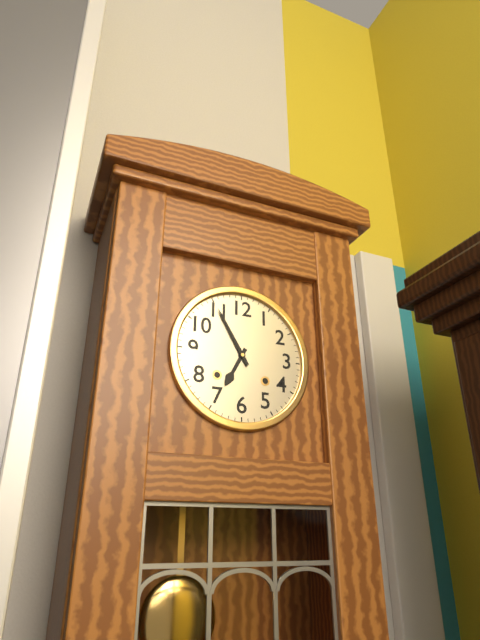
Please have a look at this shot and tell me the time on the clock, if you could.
6:55
